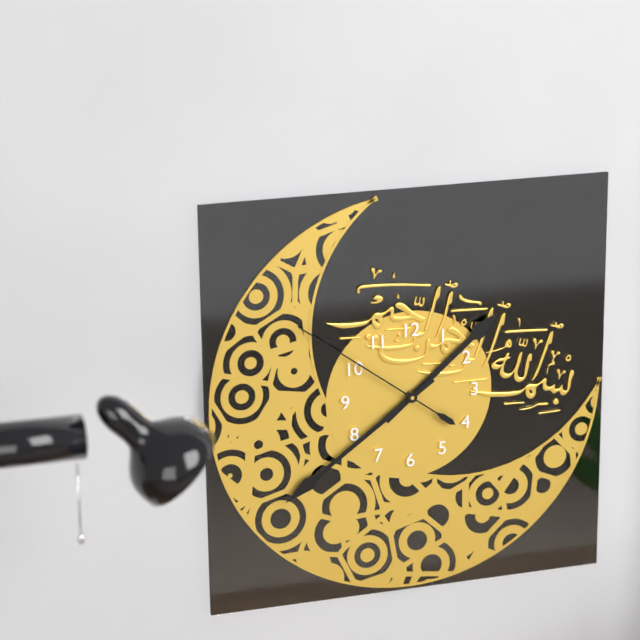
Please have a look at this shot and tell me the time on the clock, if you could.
1:39:51
